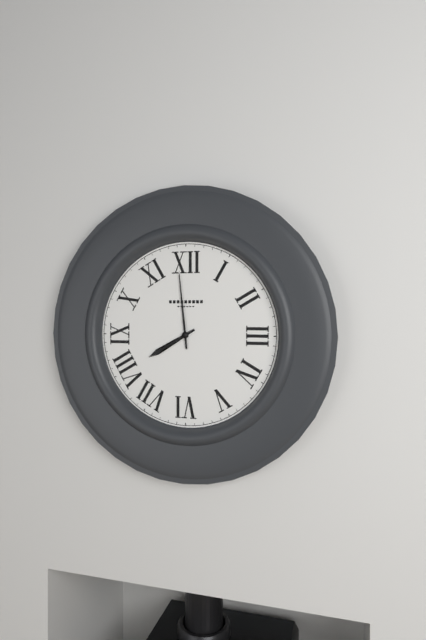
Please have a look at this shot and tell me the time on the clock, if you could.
7:59
